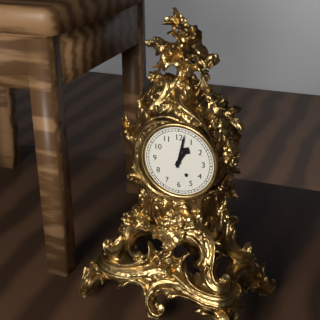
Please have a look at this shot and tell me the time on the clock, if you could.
1:02
